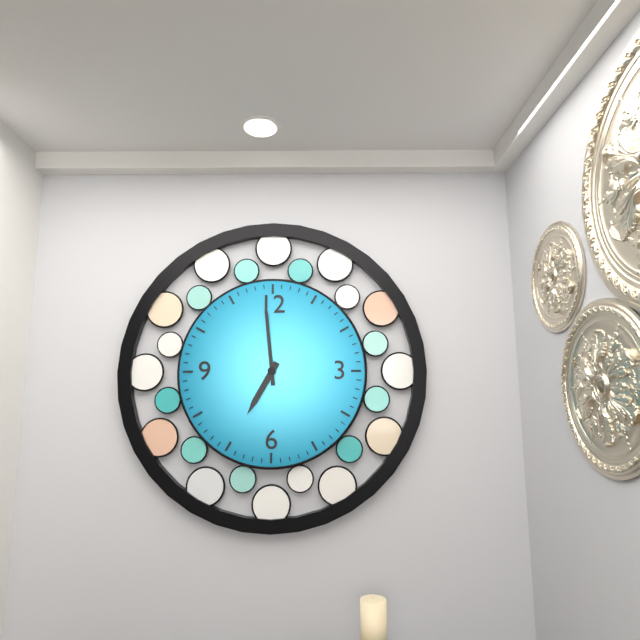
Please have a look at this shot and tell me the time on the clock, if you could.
6:59
